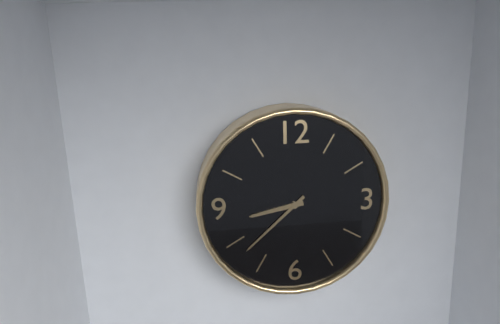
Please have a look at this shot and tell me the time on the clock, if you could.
8:38
